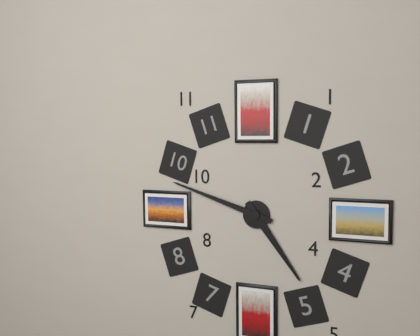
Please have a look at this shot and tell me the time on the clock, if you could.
4:48
